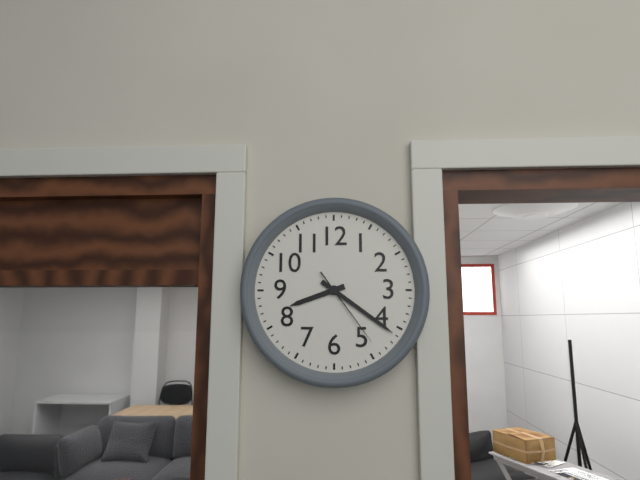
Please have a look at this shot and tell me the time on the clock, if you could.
8:21:24
